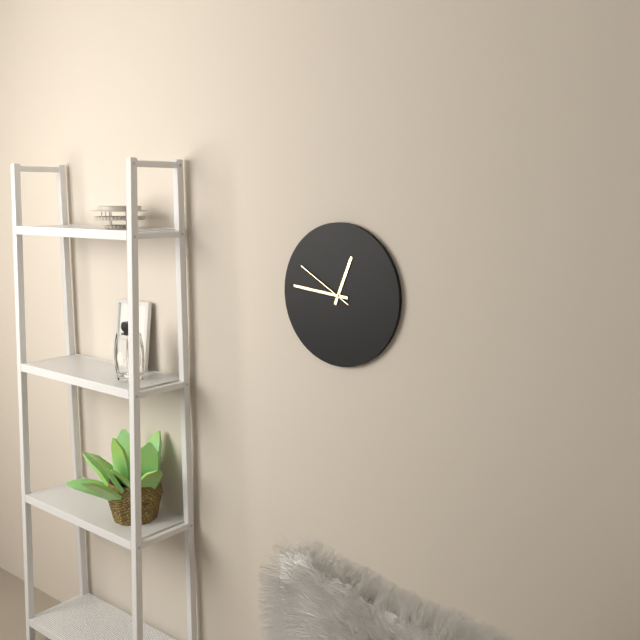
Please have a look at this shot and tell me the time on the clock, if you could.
12:46:50
